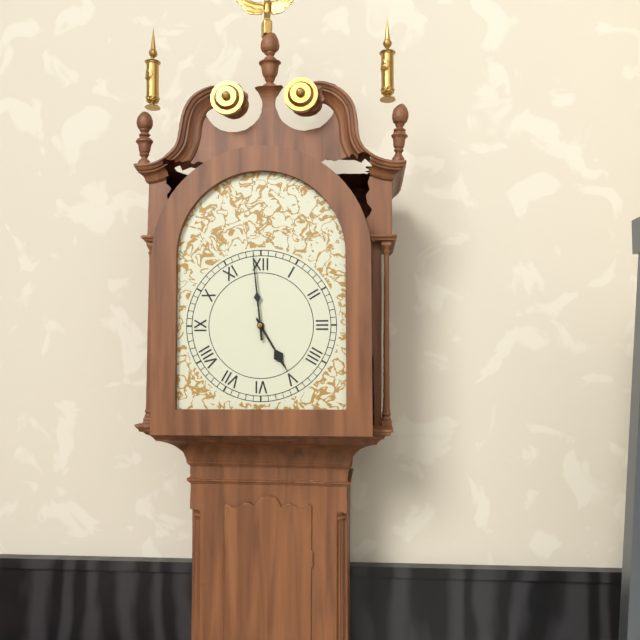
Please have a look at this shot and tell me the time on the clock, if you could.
4:59
